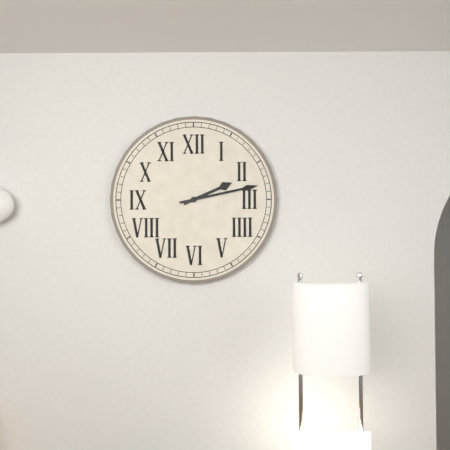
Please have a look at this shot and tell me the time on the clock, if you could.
2:13
